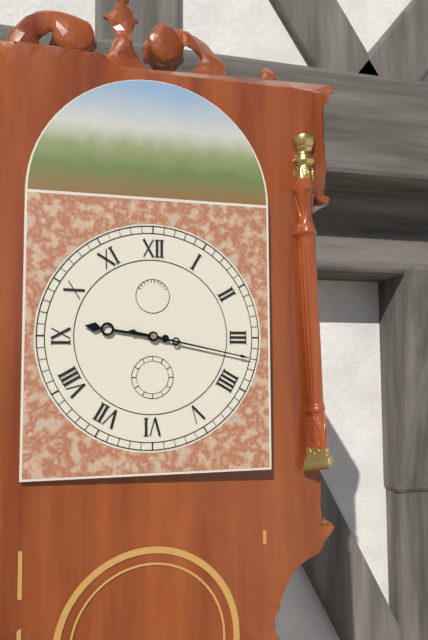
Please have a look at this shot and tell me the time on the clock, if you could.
9:17
